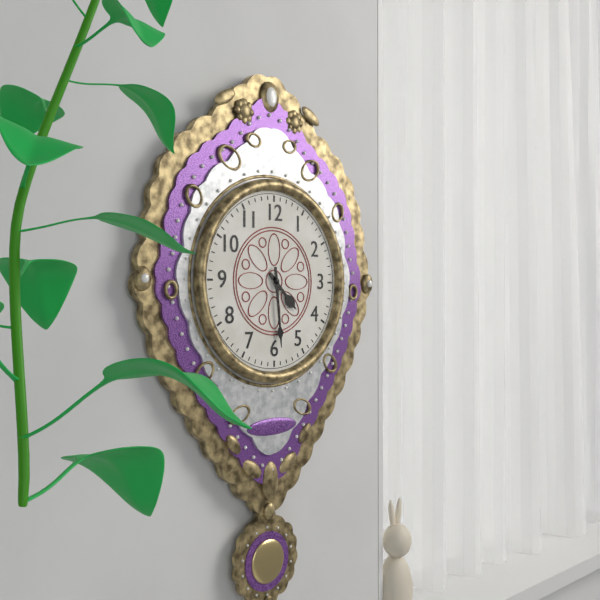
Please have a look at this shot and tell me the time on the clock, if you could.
4:29
